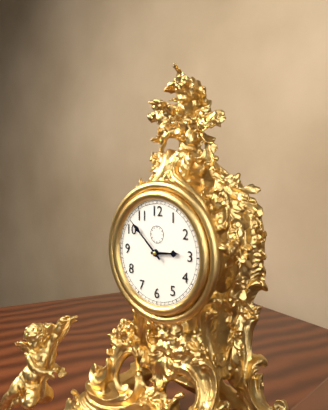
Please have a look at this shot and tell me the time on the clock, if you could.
2:52
